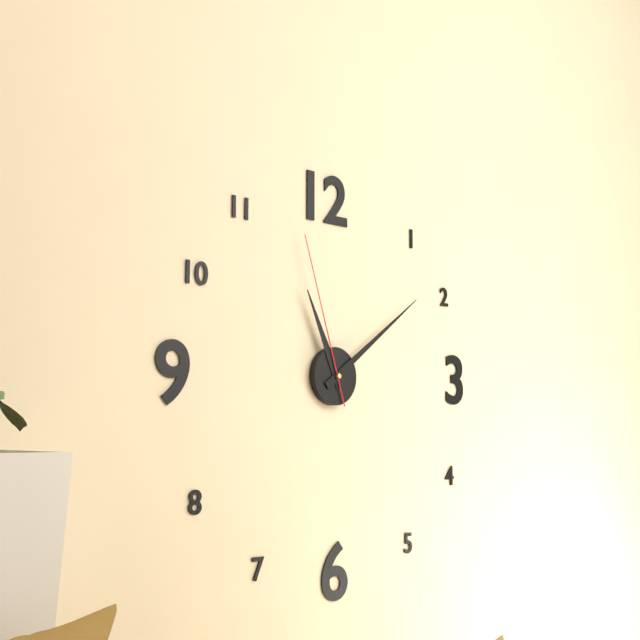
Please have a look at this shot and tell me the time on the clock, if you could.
11:09:57
